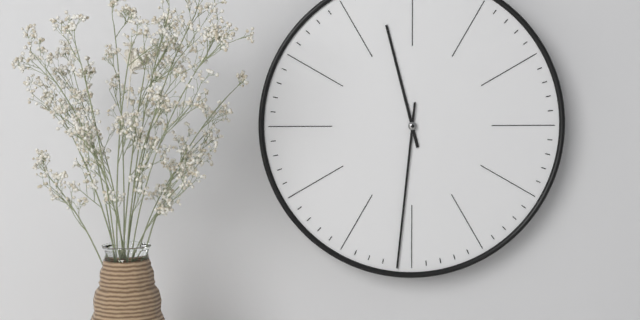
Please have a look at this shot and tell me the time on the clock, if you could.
11:31
